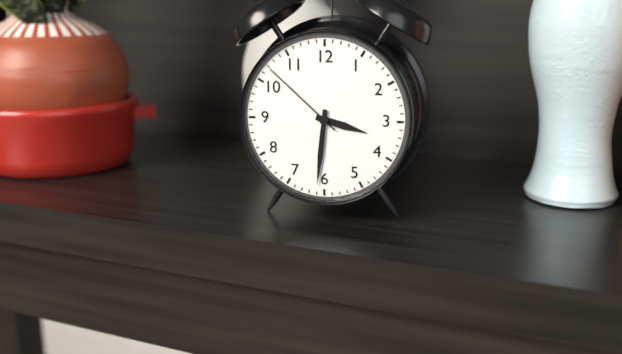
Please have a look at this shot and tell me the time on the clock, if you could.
3:31:52
